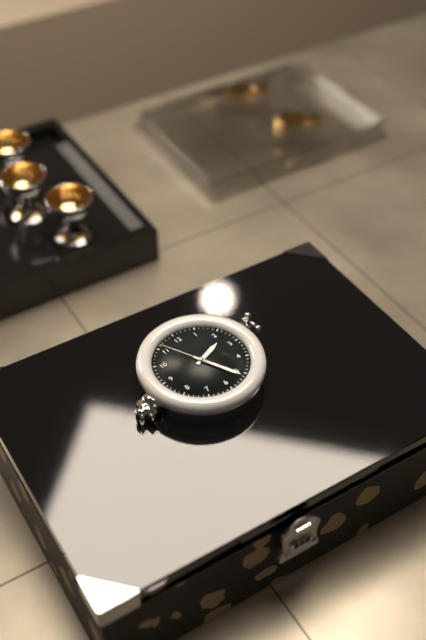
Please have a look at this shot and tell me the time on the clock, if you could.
2:26:56
